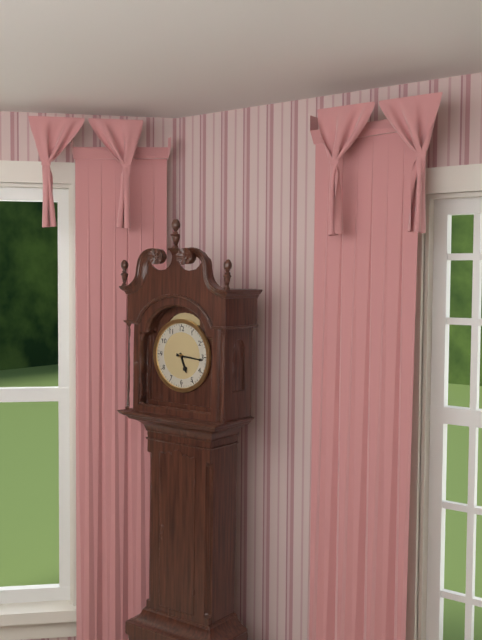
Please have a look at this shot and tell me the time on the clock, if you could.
5:16
